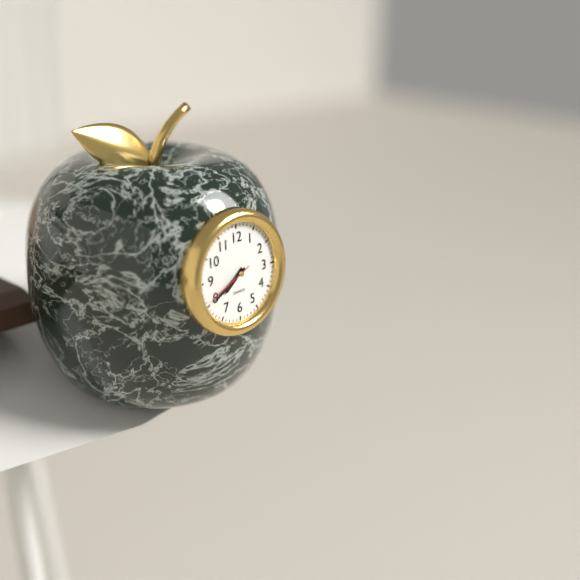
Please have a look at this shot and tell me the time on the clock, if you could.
7:40
